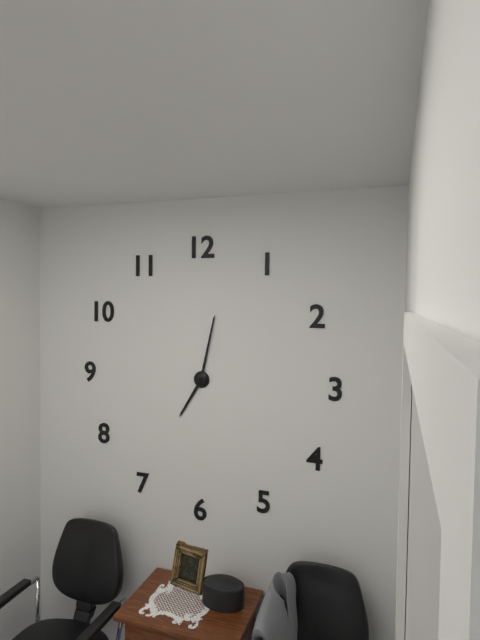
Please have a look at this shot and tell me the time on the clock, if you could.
7:02
